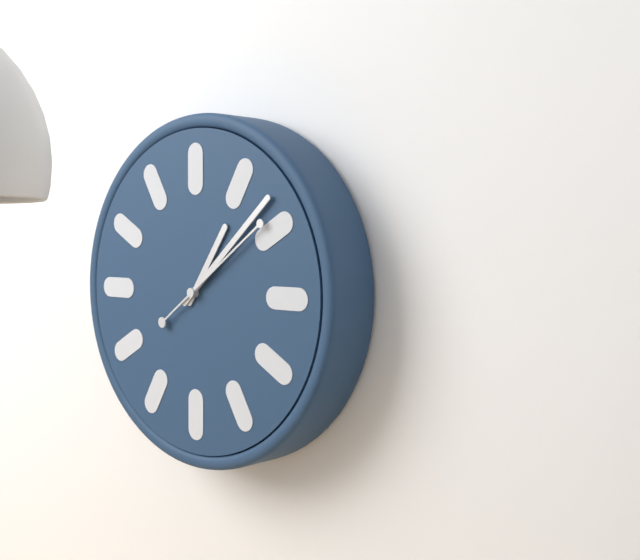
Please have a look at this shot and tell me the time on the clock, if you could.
1:08:09
